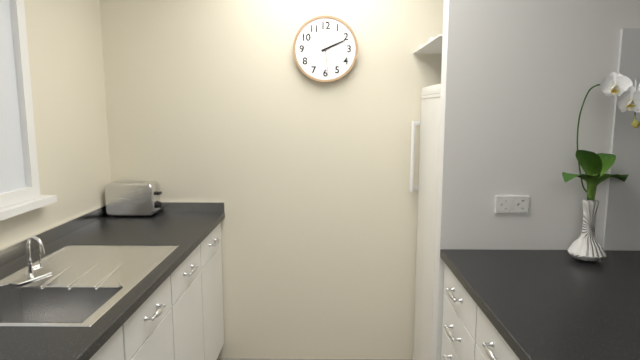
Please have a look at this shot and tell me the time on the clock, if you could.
2:11
